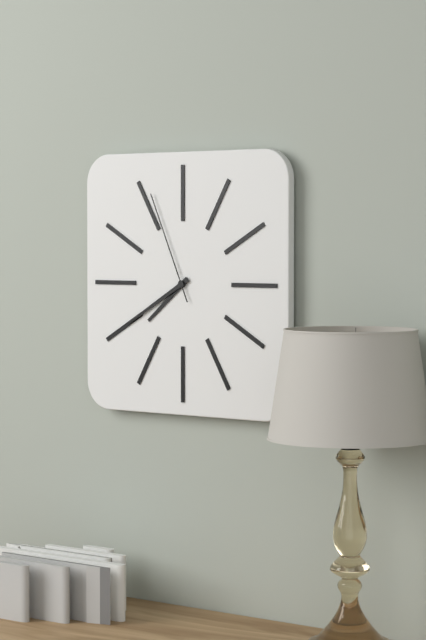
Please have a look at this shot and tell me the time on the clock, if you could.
7:40:56
